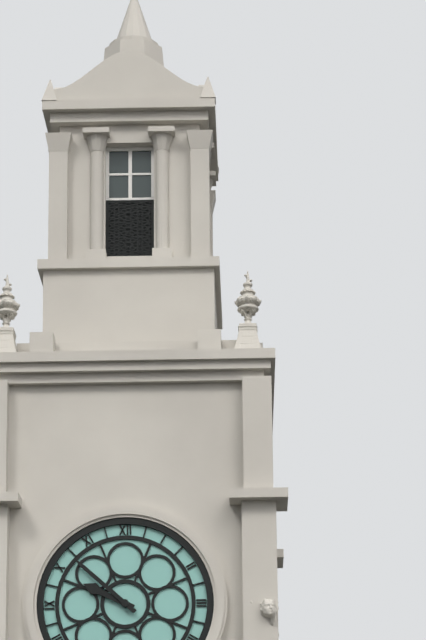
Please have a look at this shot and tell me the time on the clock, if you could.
9:52
